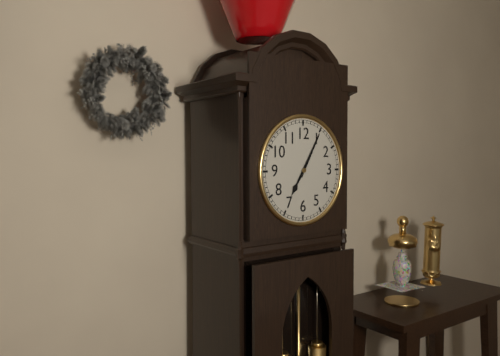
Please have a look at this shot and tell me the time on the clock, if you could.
7:05
